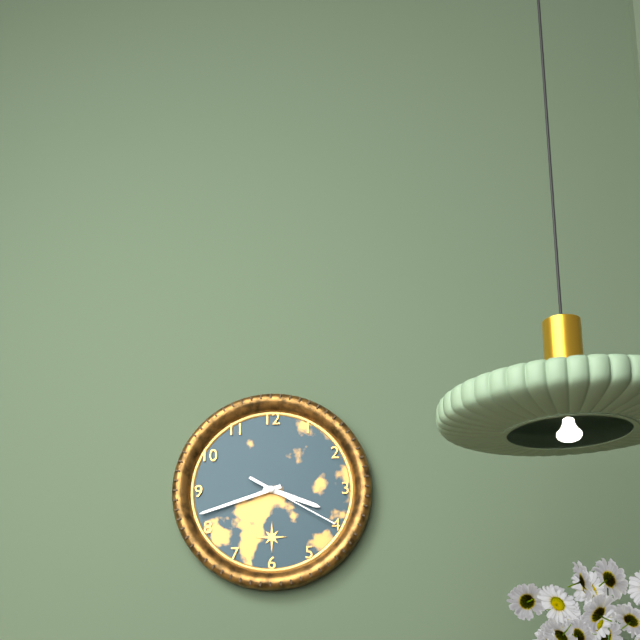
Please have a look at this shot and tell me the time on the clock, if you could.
3:42:20
